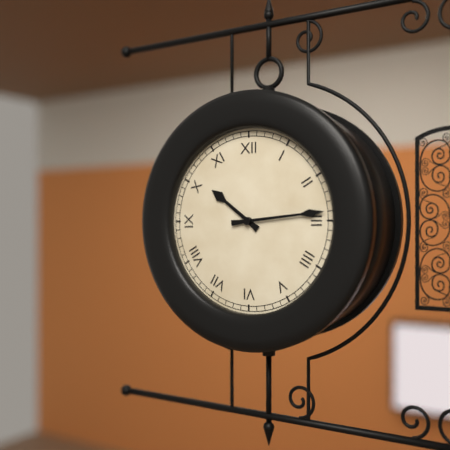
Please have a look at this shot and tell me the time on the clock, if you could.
10:14
